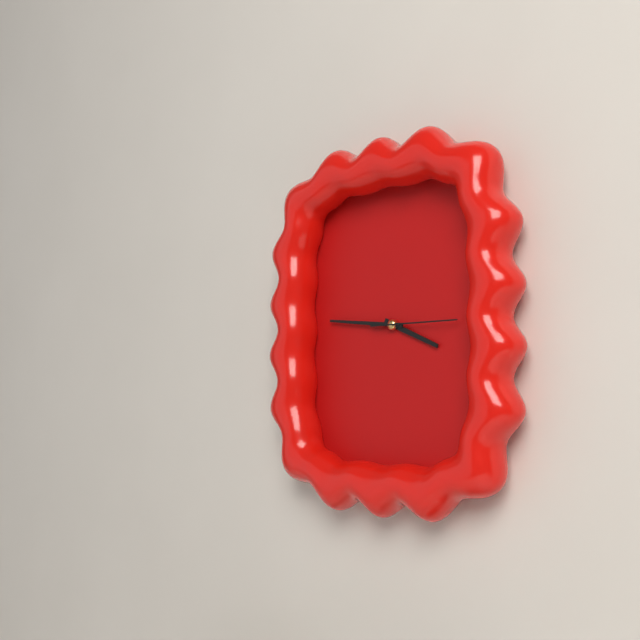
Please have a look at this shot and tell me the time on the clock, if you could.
3:46:15
